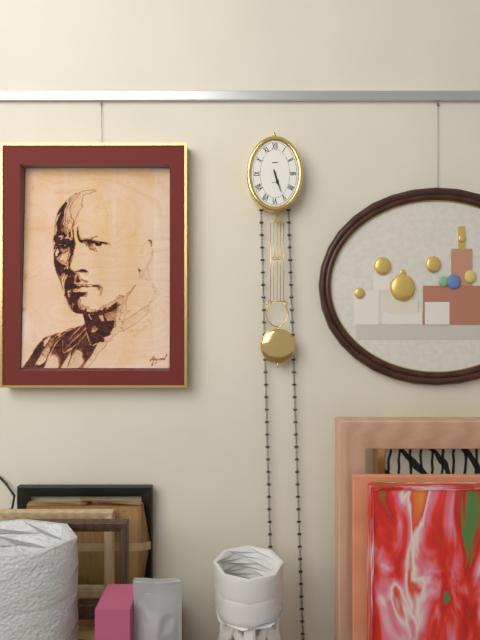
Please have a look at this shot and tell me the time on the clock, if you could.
5:27
